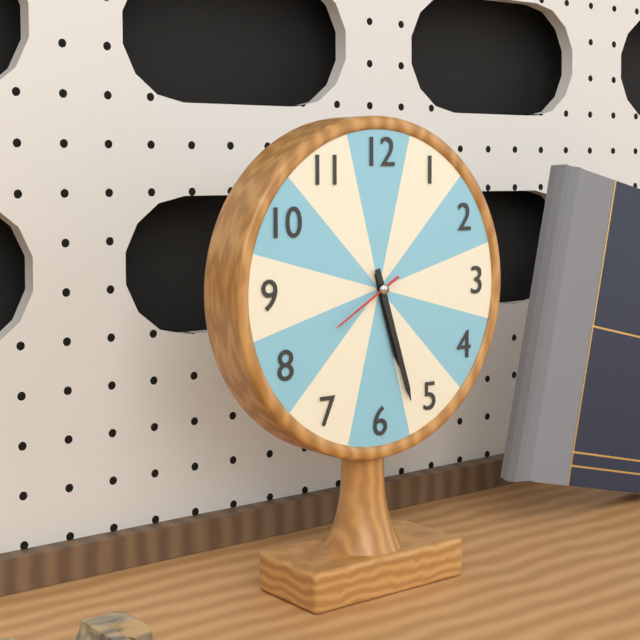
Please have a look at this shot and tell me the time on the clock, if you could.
5:27:40
